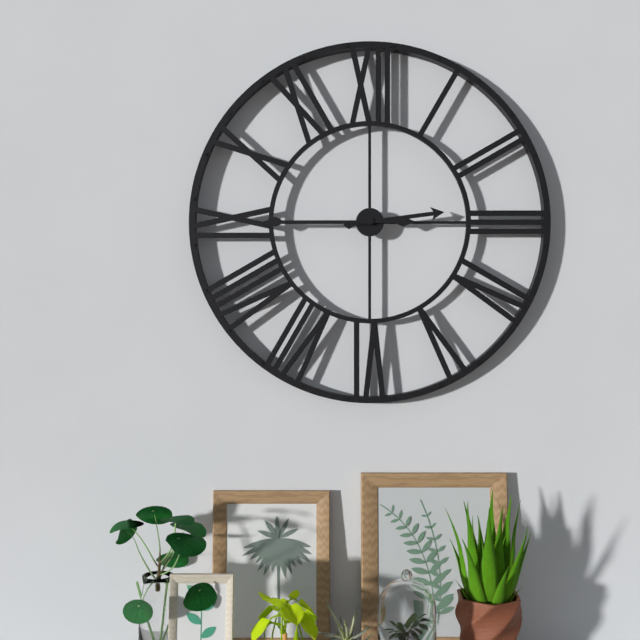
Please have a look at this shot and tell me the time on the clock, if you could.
2:45
